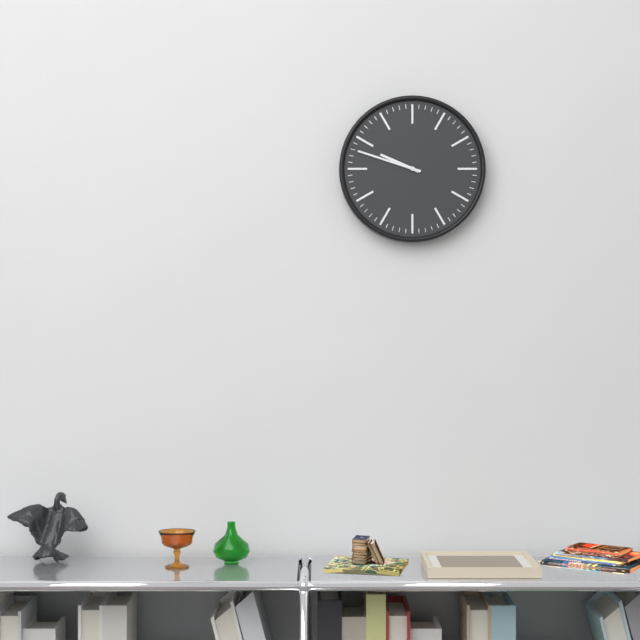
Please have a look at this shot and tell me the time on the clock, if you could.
9:48
